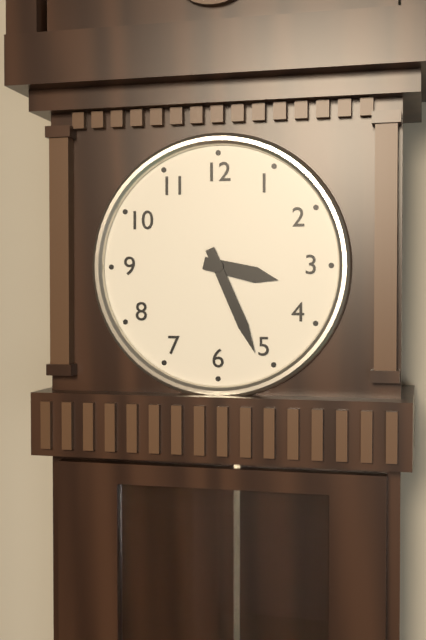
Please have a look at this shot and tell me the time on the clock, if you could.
3:26
